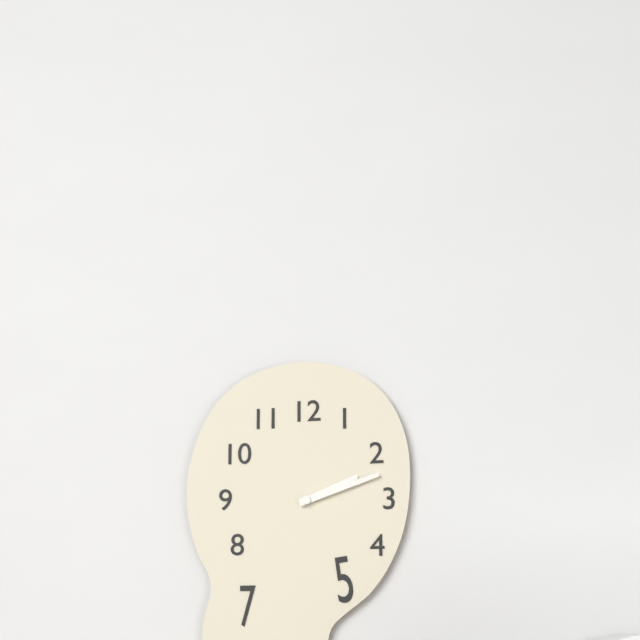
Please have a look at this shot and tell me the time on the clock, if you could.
2:12
